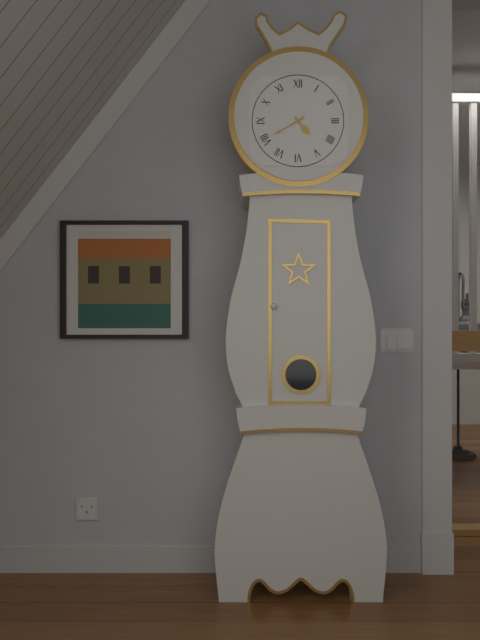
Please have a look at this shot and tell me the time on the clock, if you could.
4:40
